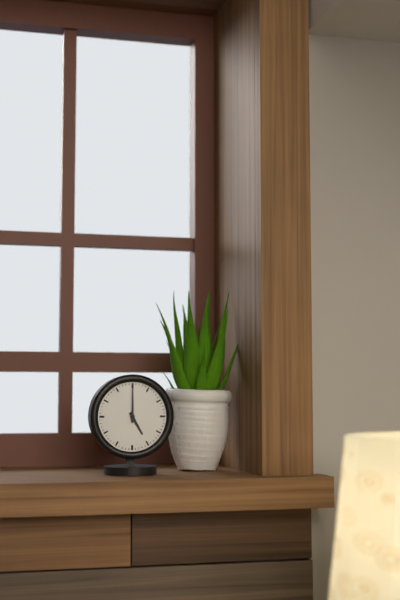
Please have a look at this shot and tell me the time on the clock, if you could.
5:00
